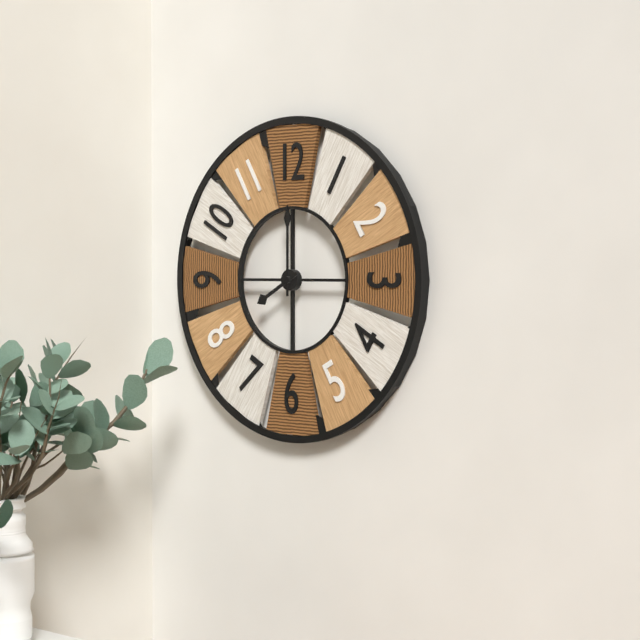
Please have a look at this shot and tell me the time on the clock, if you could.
8:00
